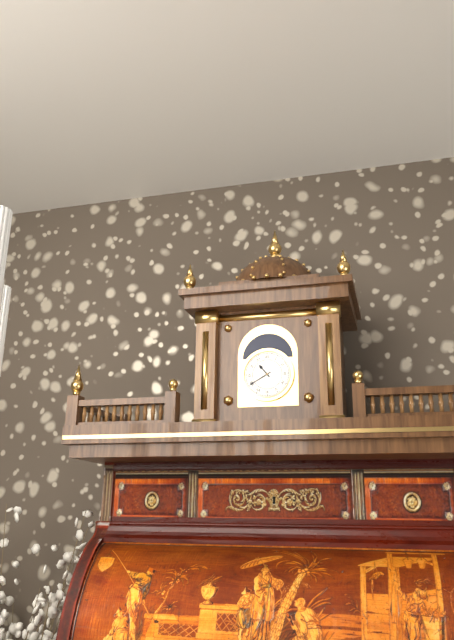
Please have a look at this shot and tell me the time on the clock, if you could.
10:40
